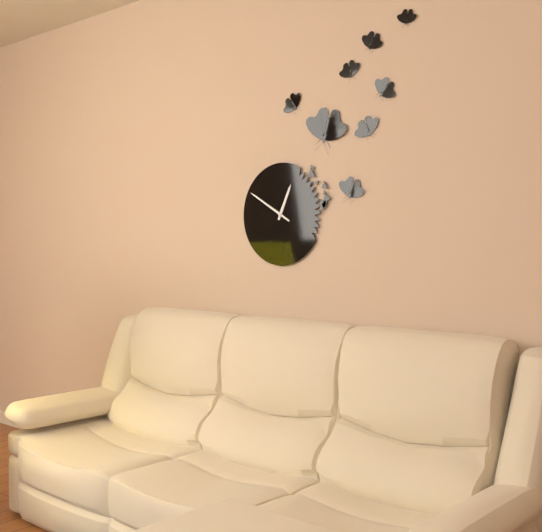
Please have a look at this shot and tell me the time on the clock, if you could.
12:50
